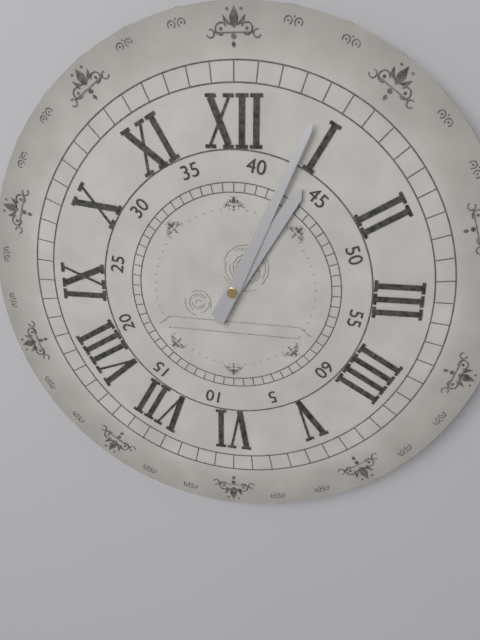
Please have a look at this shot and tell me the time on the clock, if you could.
1:04
